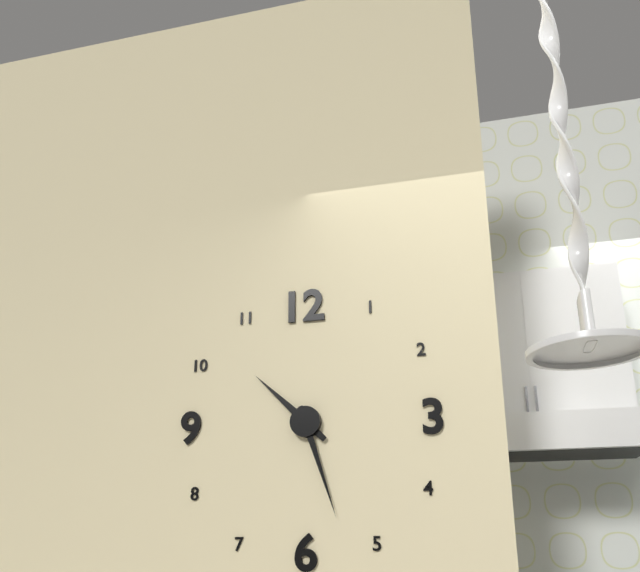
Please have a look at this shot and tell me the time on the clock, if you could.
10:27
